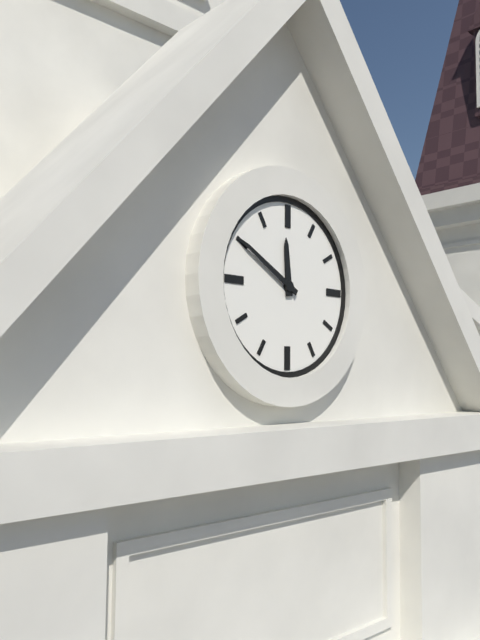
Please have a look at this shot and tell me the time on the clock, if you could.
11:50
